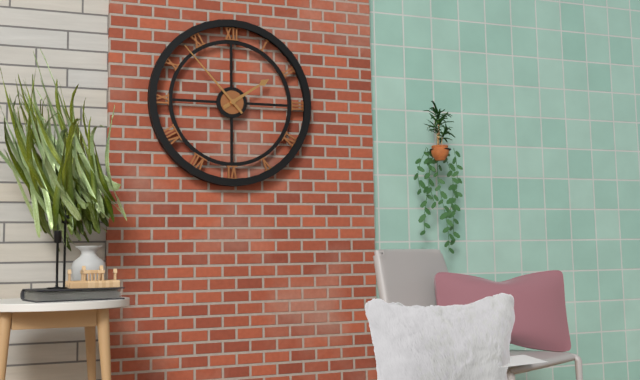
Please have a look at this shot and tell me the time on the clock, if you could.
1:53
